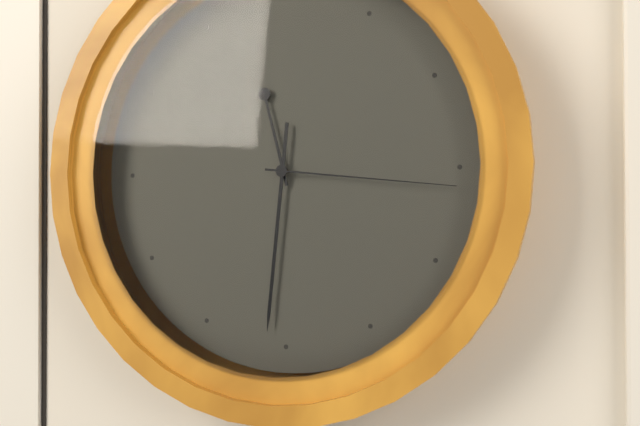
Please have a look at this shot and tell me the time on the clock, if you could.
11:31:16
